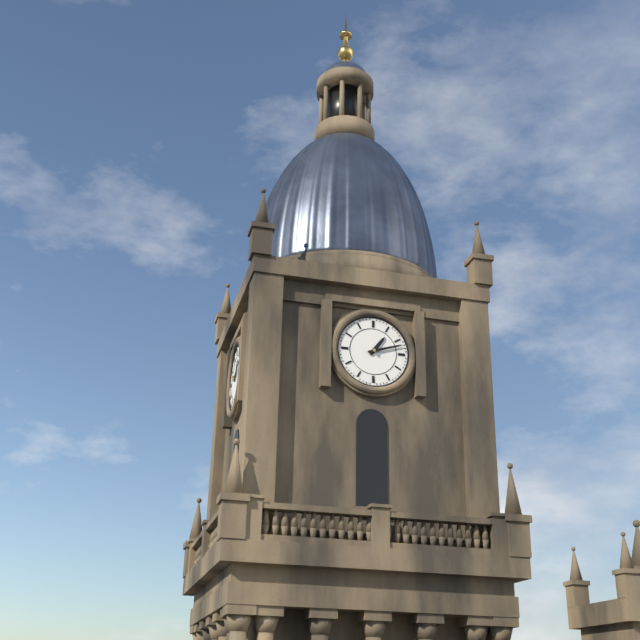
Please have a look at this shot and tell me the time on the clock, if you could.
1:12
